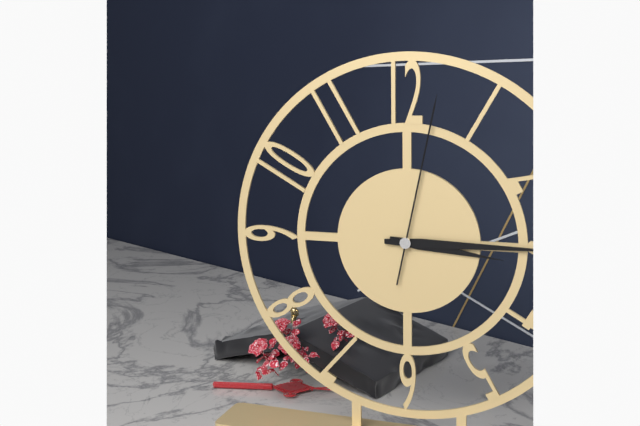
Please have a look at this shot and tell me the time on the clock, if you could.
3:15:02
